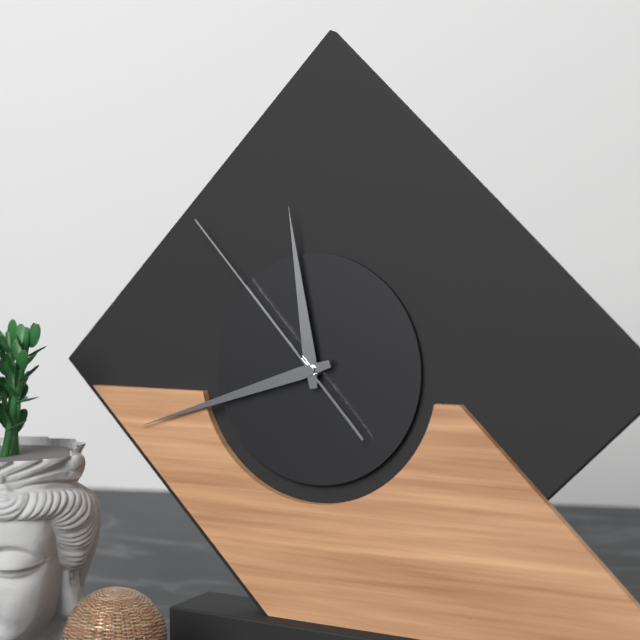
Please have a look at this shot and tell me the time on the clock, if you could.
11:42:53
